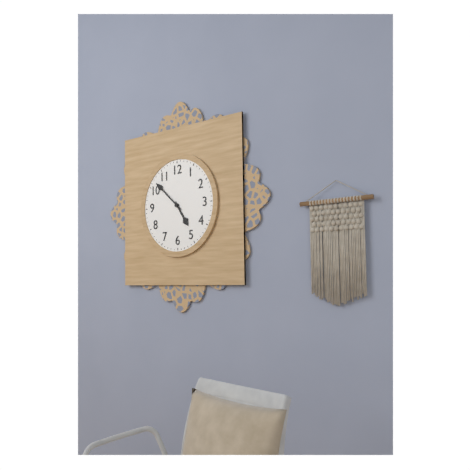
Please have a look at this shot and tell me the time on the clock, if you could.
4:52
